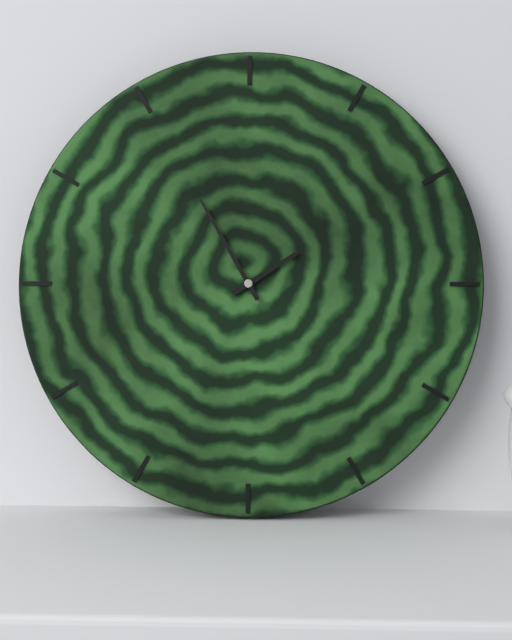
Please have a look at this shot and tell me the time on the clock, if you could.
1:55
